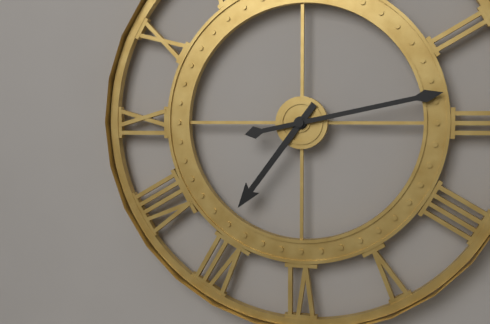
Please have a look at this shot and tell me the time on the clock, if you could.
7:13
